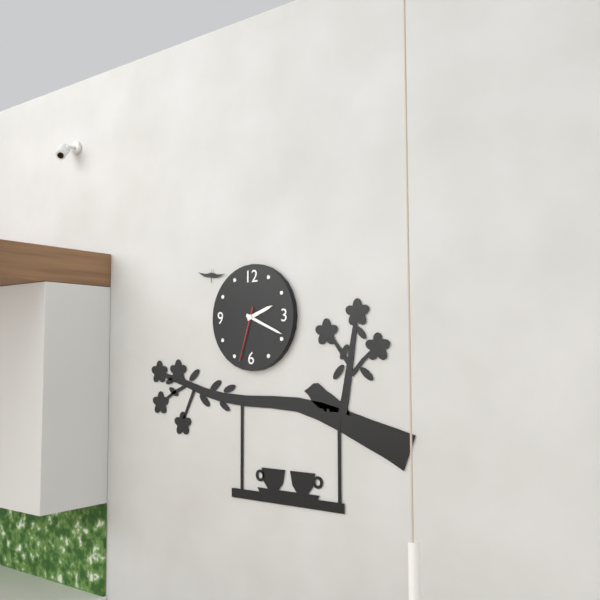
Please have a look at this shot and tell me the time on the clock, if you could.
2:19:33
